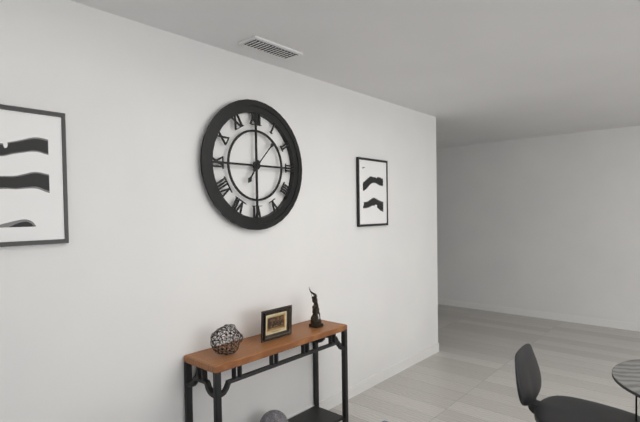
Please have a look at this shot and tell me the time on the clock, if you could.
7:07
